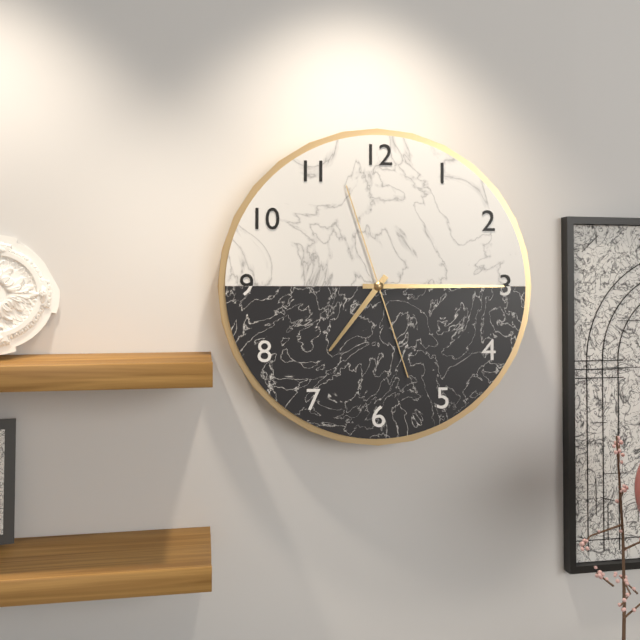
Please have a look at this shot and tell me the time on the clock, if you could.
7:15:57
